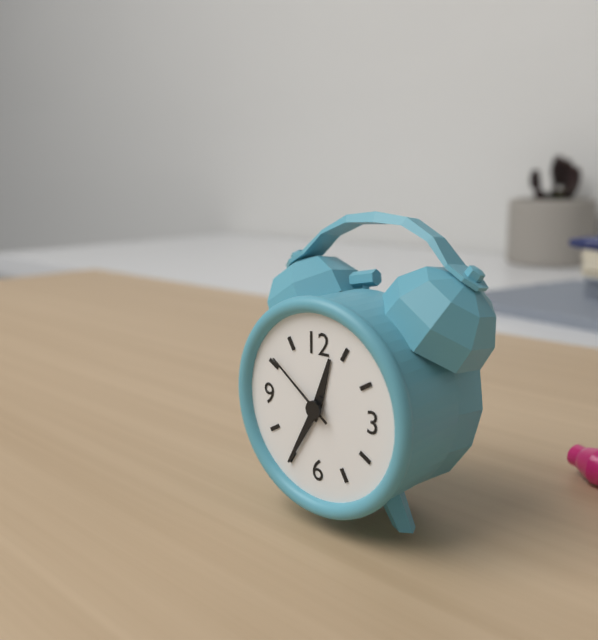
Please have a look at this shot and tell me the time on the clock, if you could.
12:35:51
